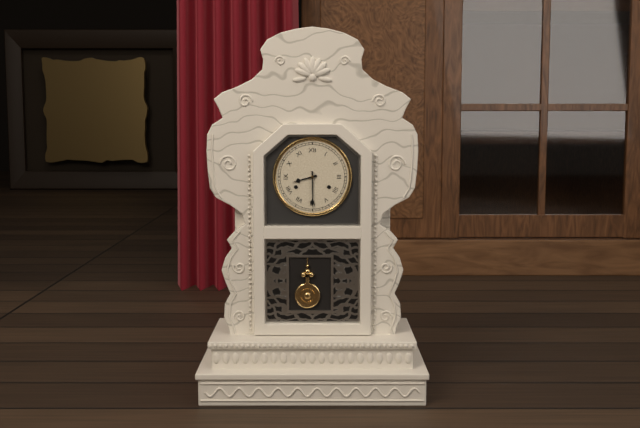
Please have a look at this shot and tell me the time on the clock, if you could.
8:30
